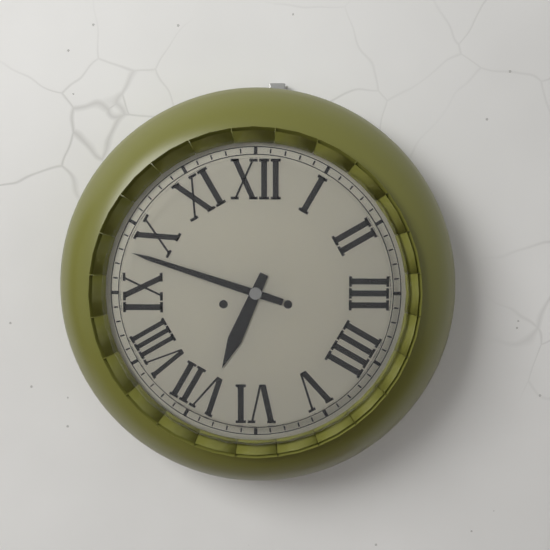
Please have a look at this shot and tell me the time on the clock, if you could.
6:48
